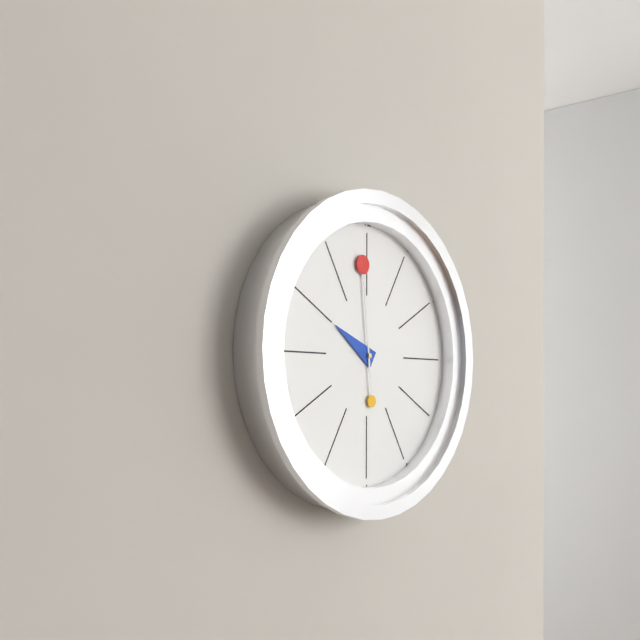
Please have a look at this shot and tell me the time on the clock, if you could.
9:59
